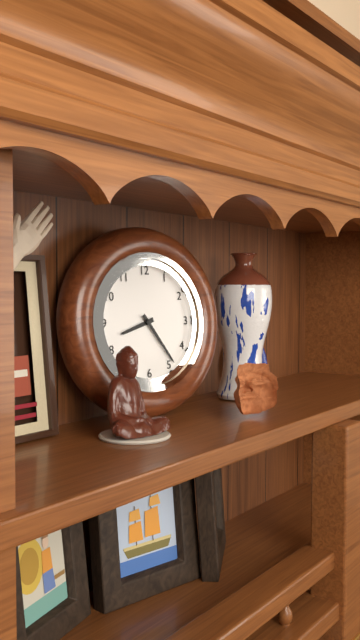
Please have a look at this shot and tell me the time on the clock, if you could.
8:24
